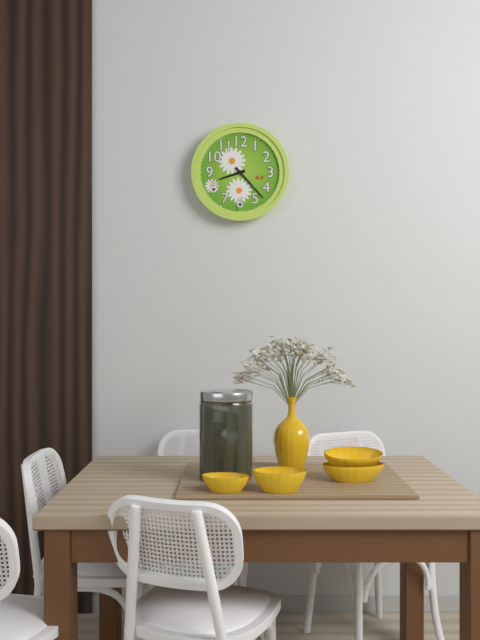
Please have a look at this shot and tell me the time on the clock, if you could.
8:23
